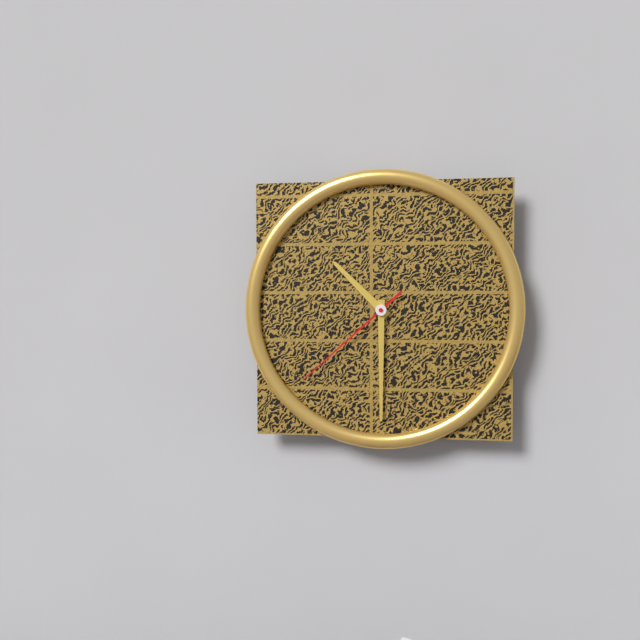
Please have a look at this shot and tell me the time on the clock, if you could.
10:30:38
